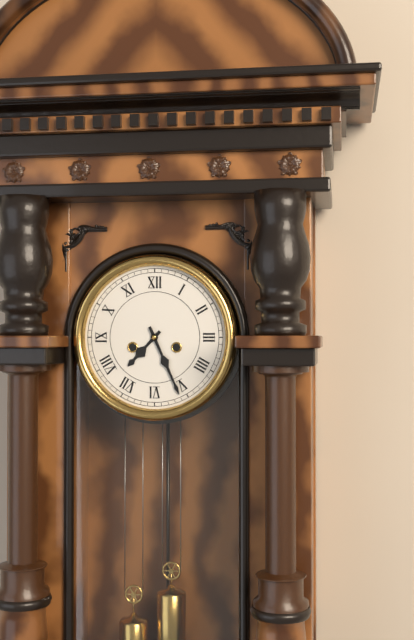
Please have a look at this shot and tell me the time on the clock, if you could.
7:26
